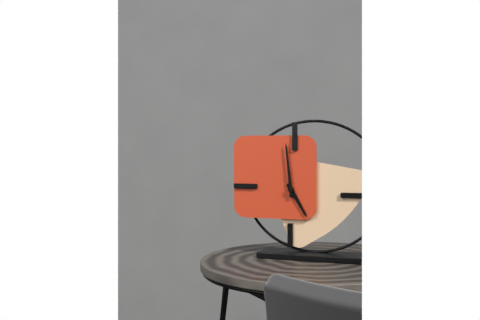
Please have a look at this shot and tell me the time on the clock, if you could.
4:59
